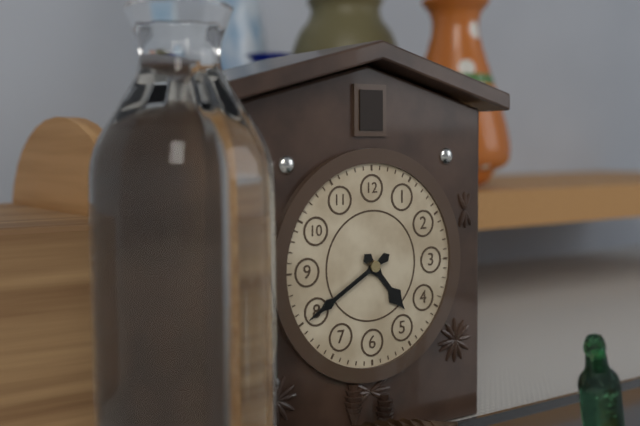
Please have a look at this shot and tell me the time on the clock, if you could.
4:40
